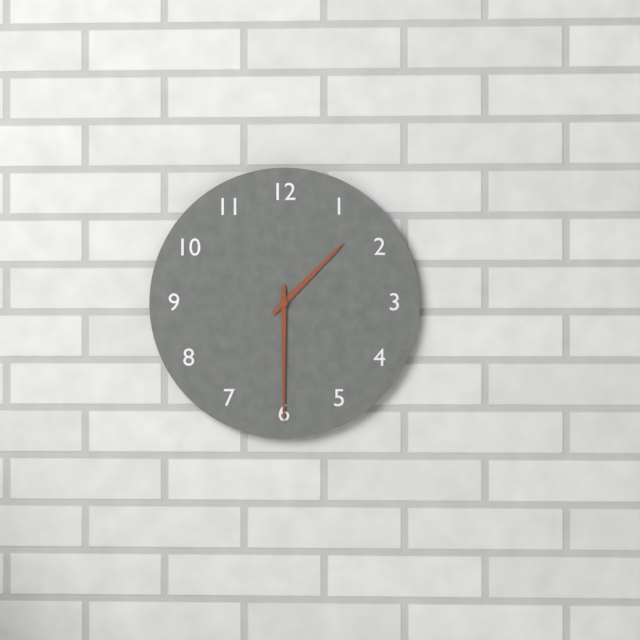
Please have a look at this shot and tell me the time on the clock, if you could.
1:30
